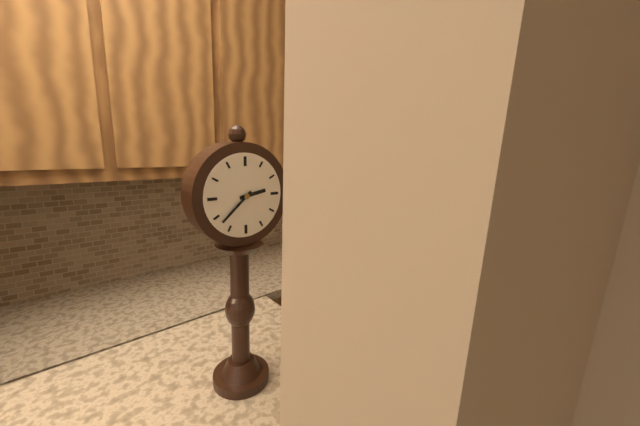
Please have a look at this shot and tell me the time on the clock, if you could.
2:38
